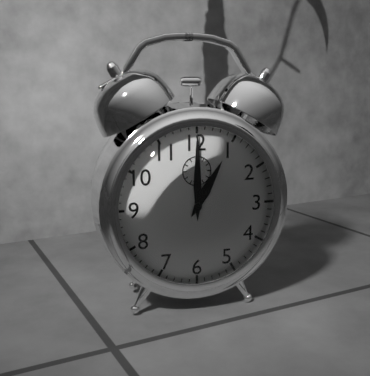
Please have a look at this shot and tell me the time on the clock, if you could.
1:00
